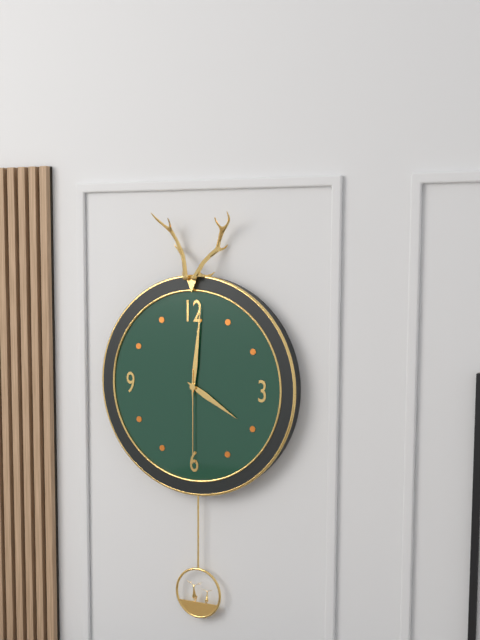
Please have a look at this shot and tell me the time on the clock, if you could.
4:01:30
